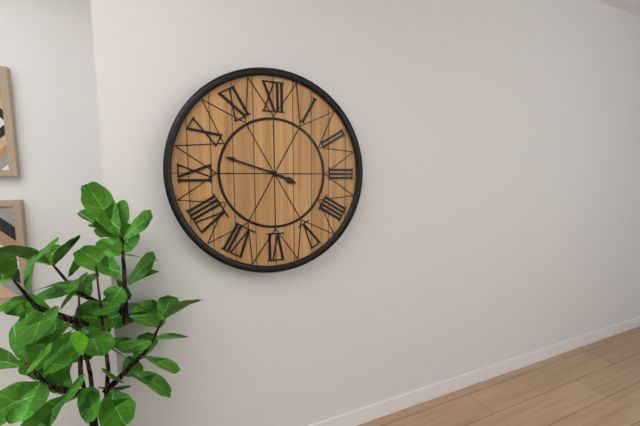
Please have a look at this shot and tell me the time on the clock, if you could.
3:48
